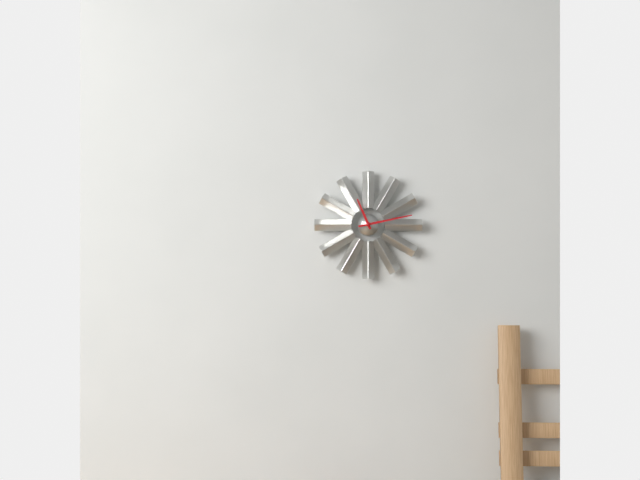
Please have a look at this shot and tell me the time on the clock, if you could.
11:13
